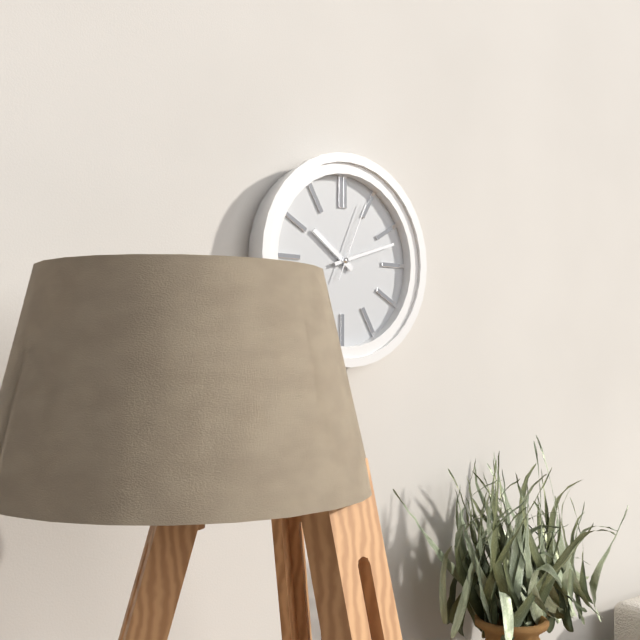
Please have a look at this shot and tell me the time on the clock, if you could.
10:12:04
